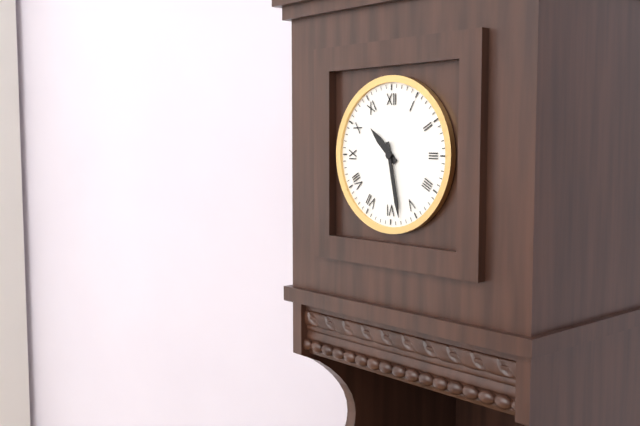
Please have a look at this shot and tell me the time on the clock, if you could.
10:28
